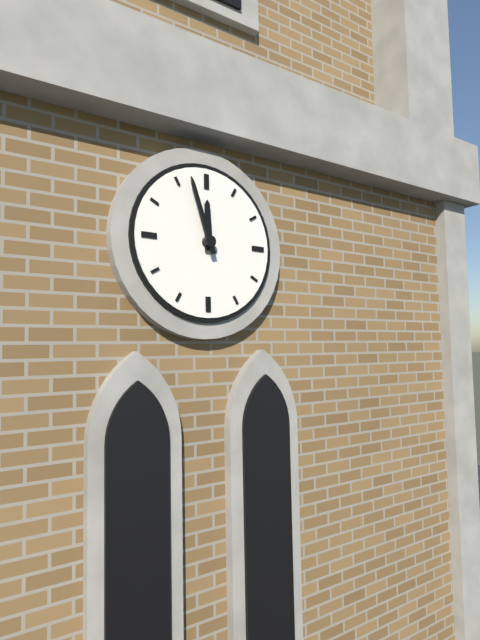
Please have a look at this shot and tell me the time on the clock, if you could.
11:57
